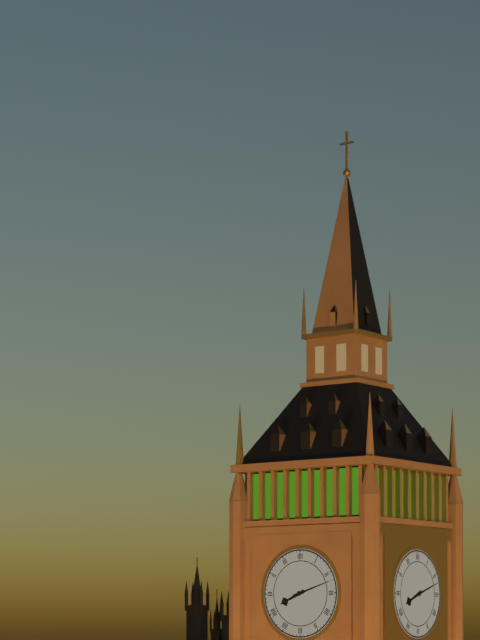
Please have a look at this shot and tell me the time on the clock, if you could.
8:12
